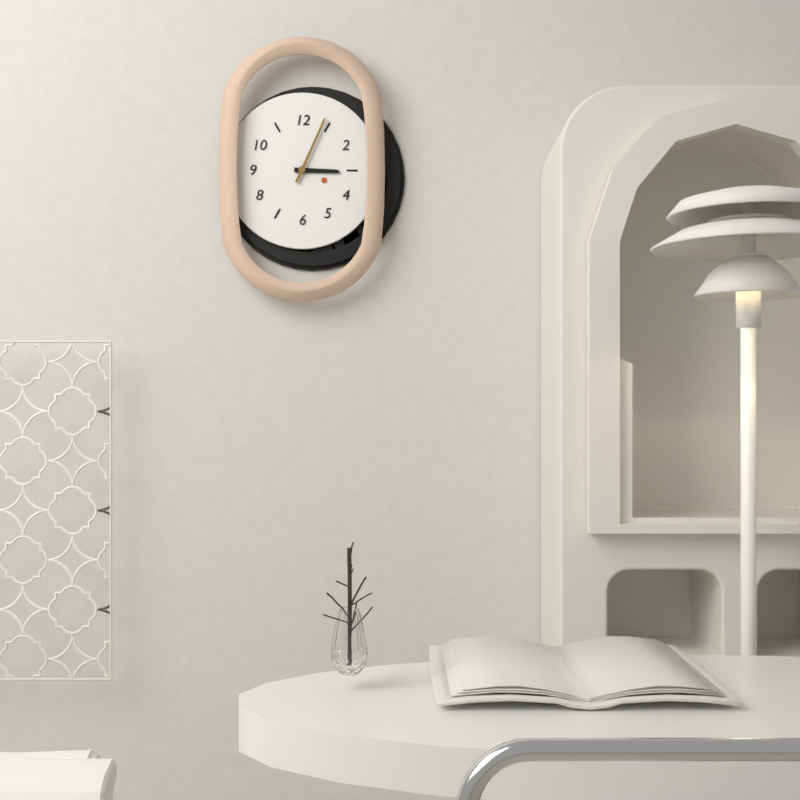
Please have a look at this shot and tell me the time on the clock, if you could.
3:04
